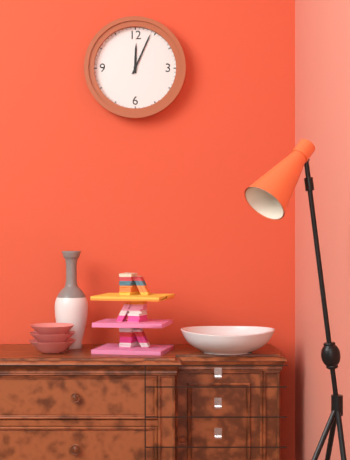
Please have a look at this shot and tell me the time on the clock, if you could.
12:04
